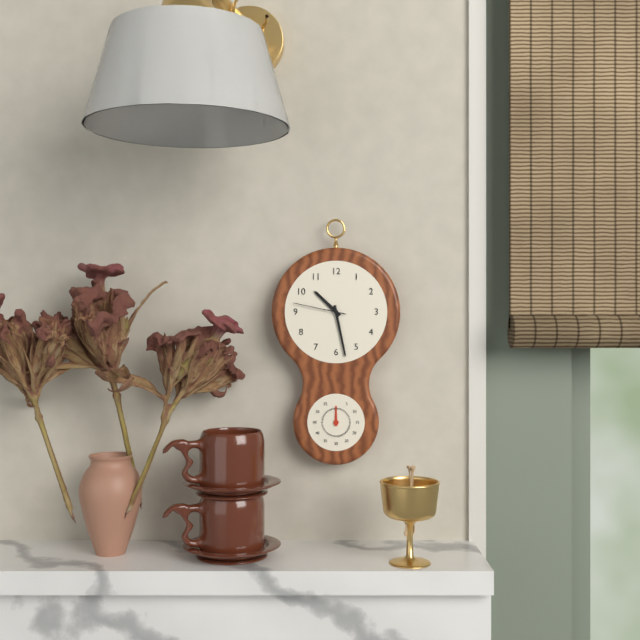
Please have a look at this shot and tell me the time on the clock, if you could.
10:28:47
